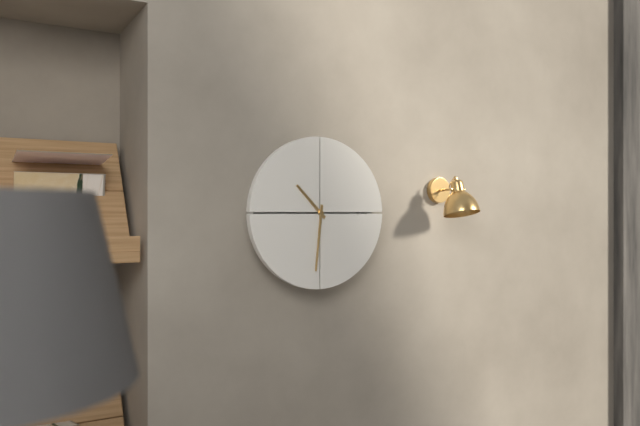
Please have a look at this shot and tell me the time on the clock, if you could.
10:31
